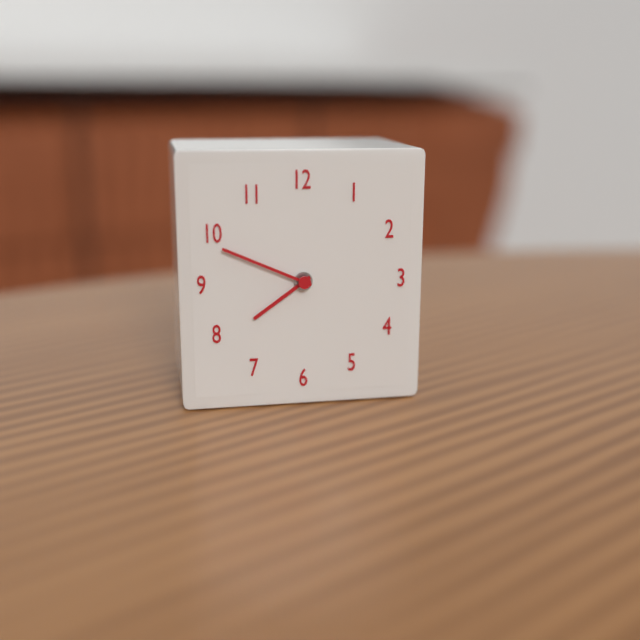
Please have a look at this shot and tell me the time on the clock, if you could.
7:49
